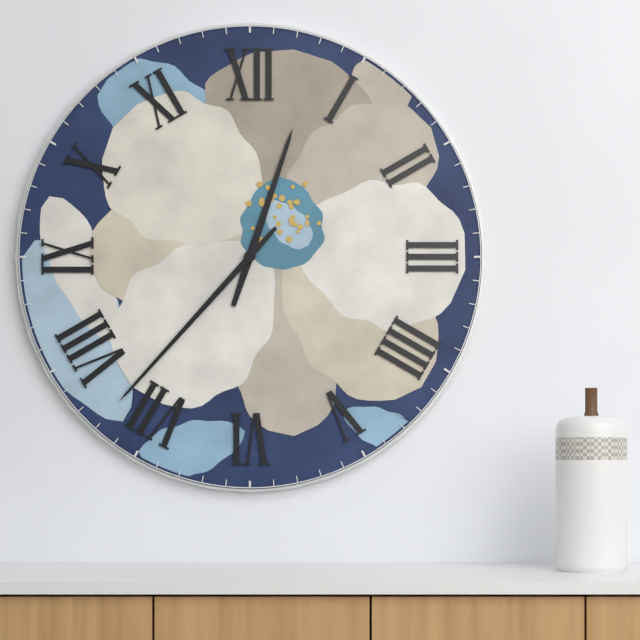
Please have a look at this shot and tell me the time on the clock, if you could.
12:37
